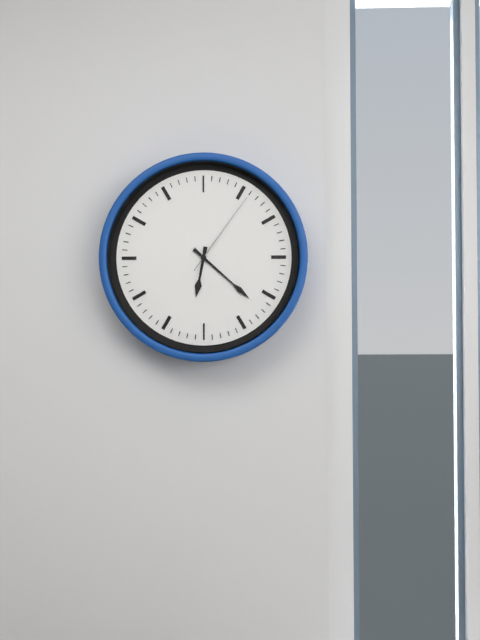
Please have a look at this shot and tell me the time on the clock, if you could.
6:22:06
